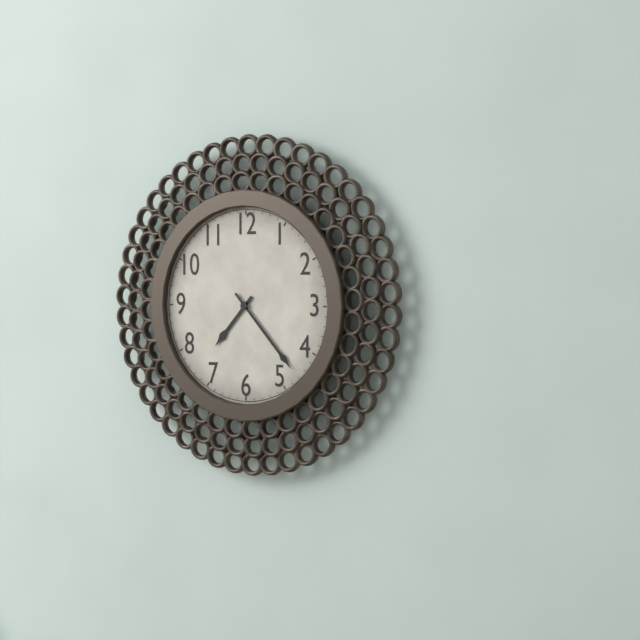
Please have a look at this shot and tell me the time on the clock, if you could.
7:23
